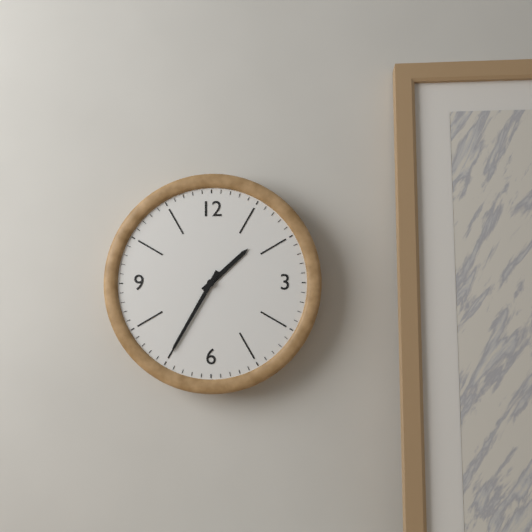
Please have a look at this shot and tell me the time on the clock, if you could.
1:35
